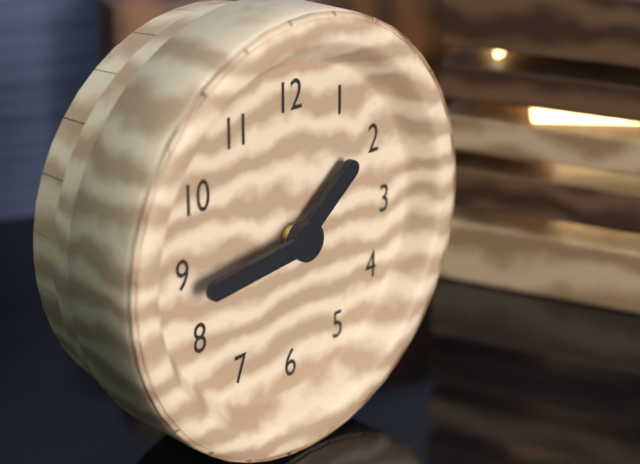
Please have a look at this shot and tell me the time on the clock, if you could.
1:44
